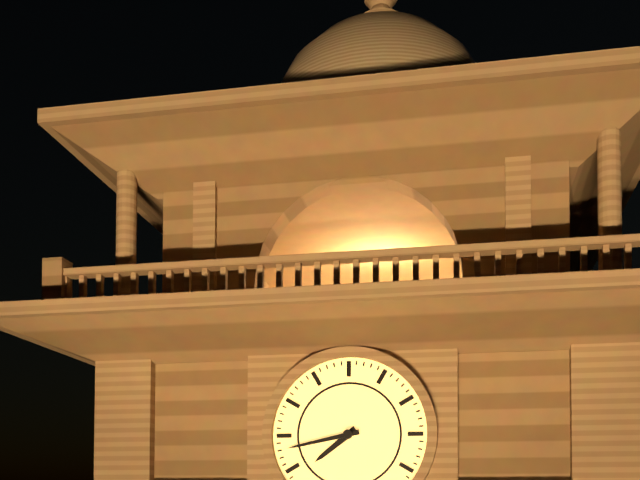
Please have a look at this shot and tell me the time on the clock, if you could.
7:43
